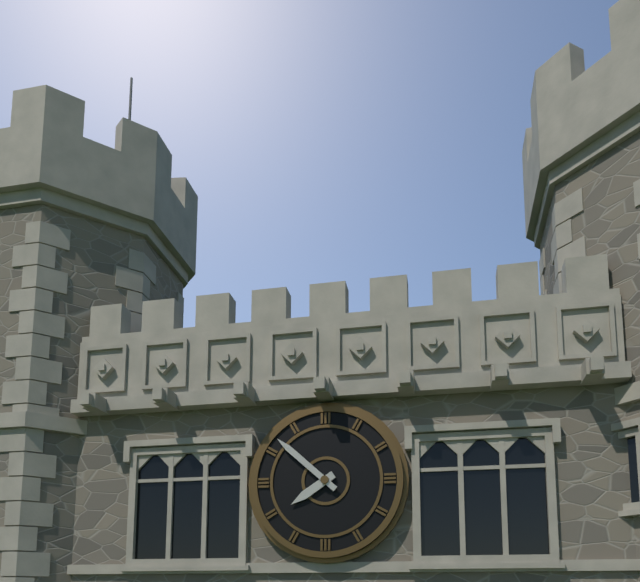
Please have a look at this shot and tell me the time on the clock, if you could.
7:52
